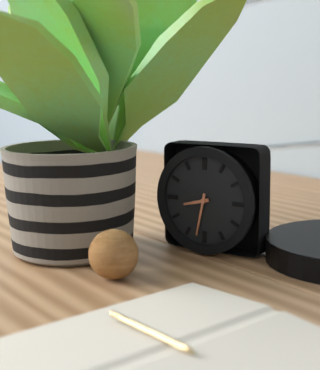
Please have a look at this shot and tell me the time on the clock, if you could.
8:32
